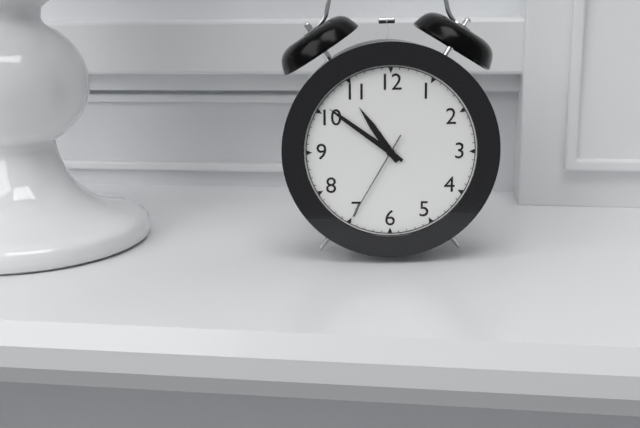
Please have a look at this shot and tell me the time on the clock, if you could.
10:51:35
